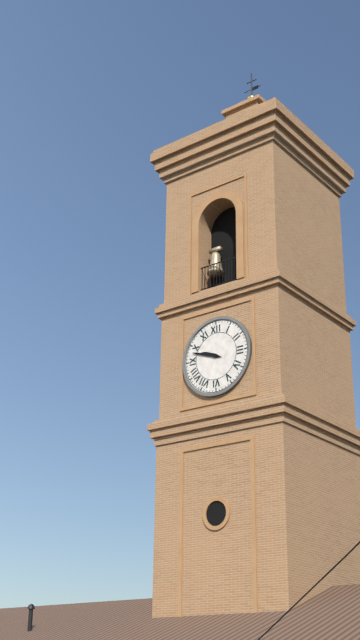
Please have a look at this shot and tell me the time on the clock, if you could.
9:48
